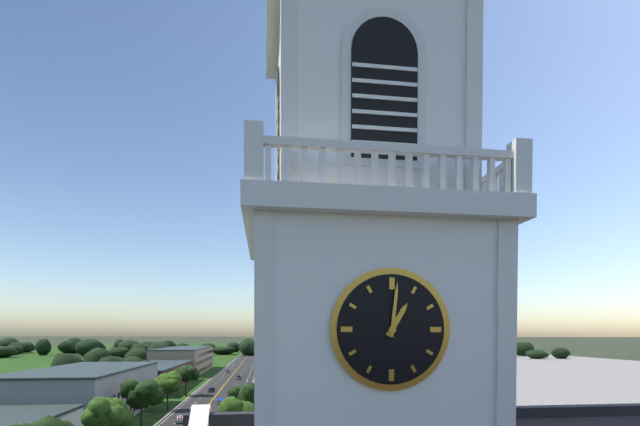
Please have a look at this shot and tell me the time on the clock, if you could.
1:01
